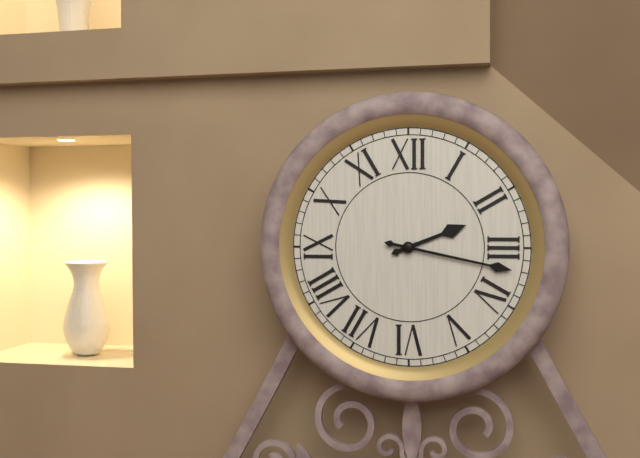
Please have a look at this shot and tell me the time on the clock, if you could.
2:17
